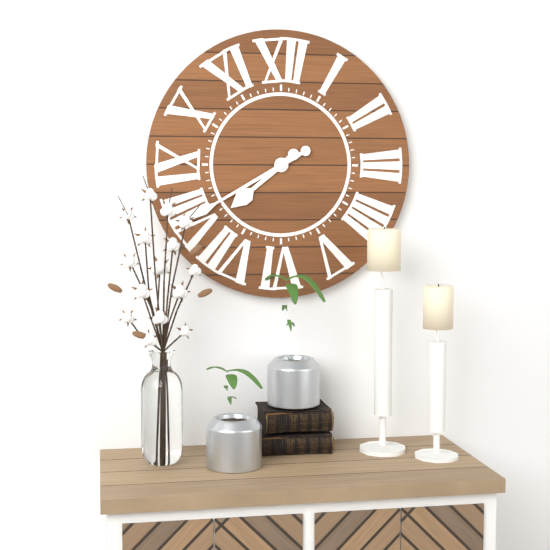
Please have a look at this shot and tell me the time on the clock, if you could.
7:40
